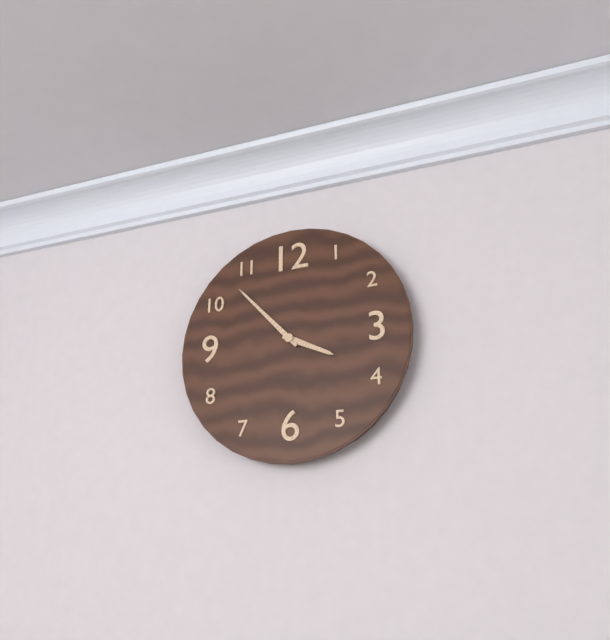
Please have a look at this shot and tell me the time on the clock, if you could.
3:53
